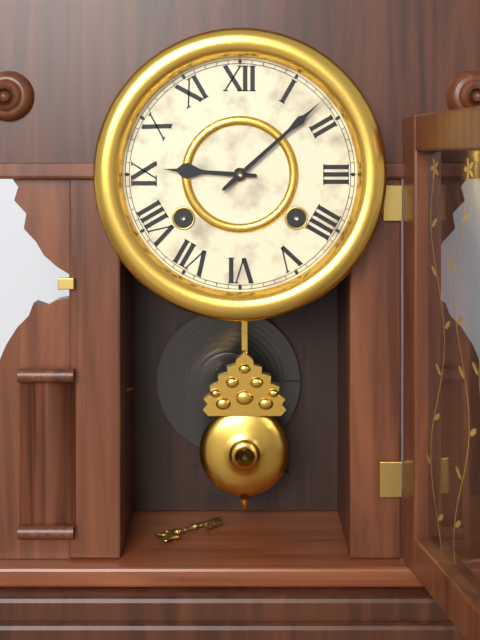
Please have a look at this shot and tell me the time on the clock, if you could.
9:08
